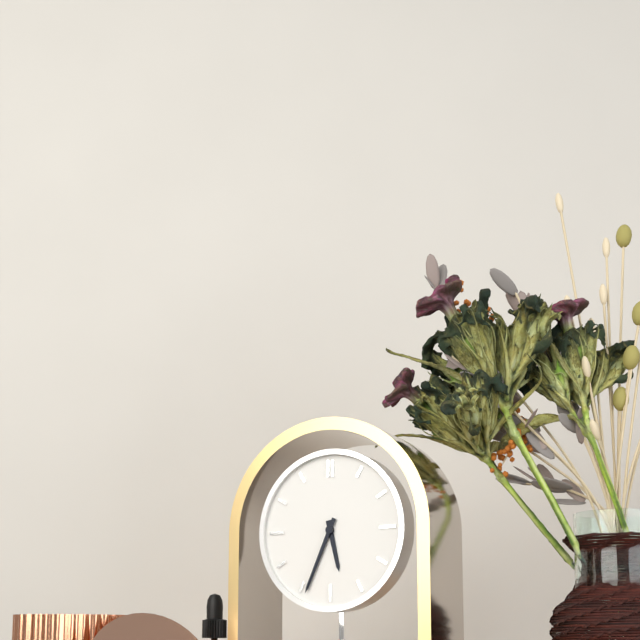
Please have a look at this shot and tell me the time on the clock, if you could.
5:34
